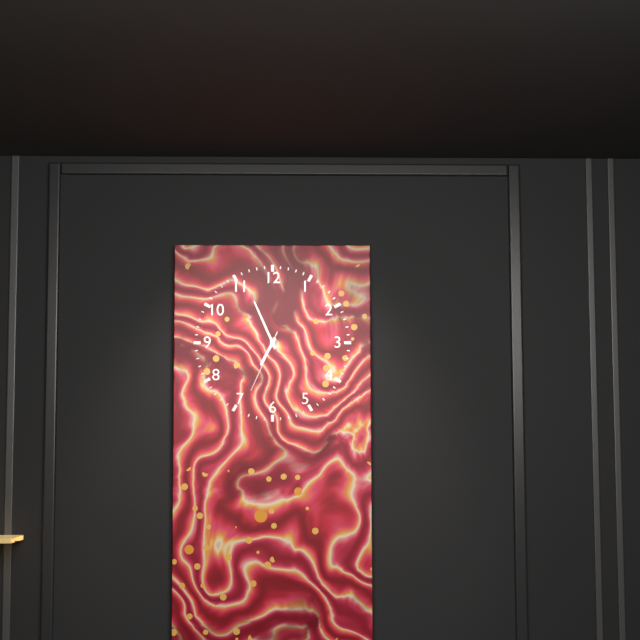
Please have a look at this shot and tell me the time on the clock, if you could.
6:56:34
